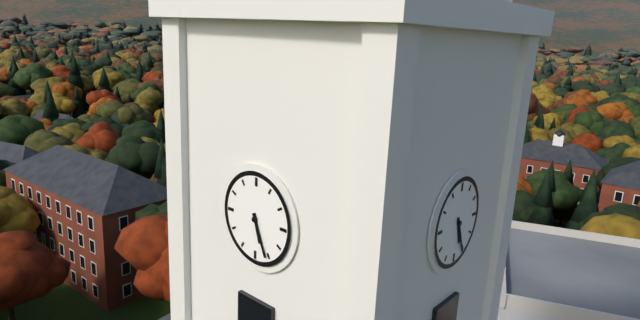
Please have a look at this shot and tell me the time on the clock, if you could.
5:26
